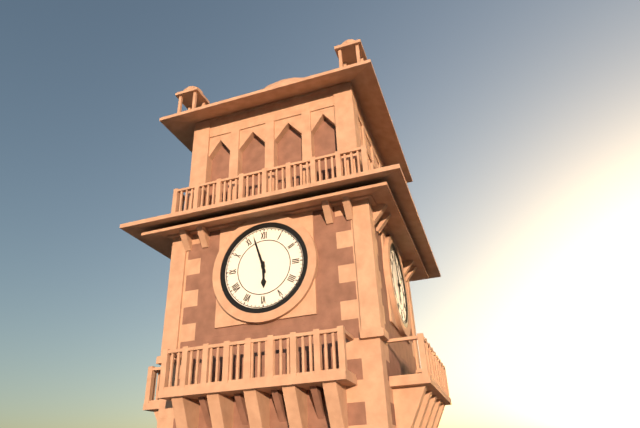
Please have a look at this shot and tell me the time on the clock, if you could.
5:57
